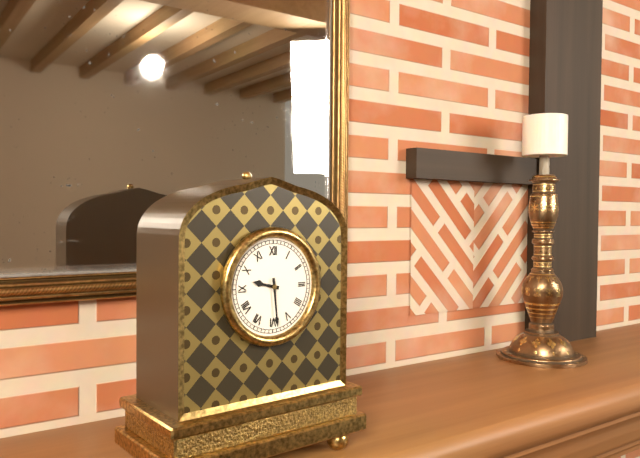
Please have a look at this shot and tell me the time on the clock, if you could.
9:29
